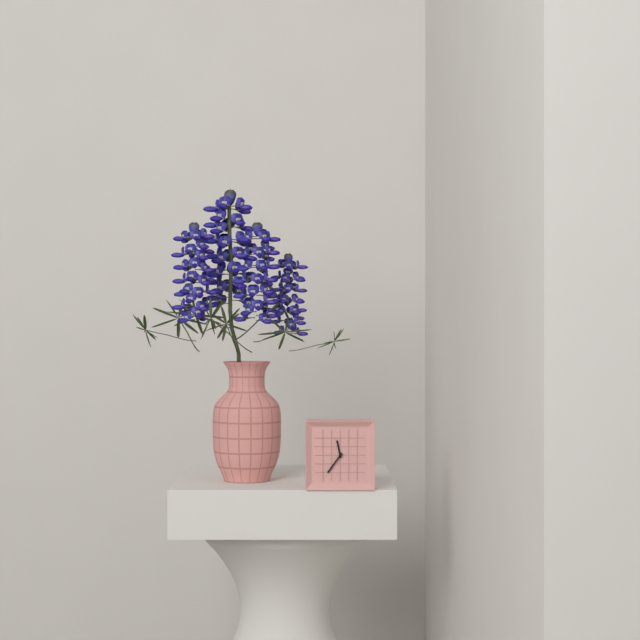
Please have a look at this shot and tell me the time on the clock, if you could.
11:36
